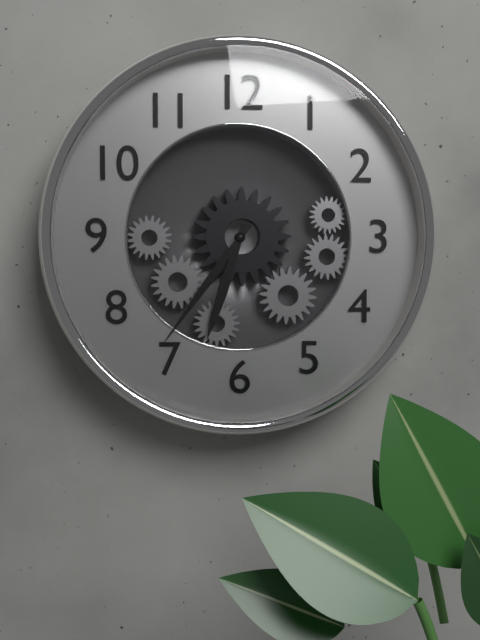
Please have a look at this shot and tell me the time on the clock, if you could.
6:36
